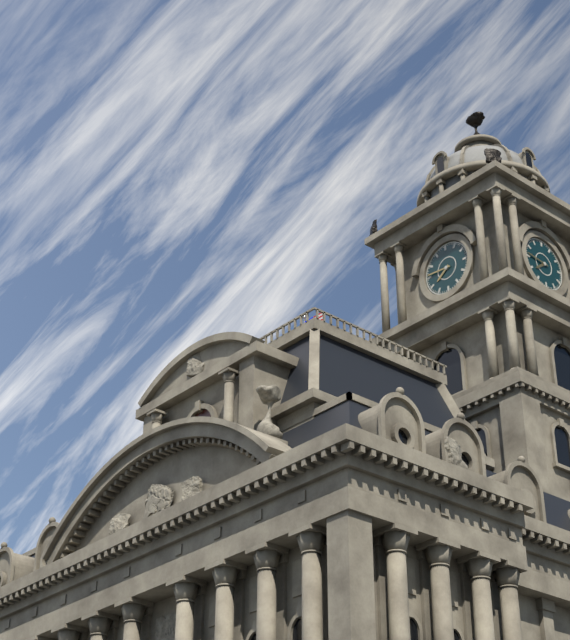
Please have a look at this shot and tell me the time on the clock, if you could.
7:46
